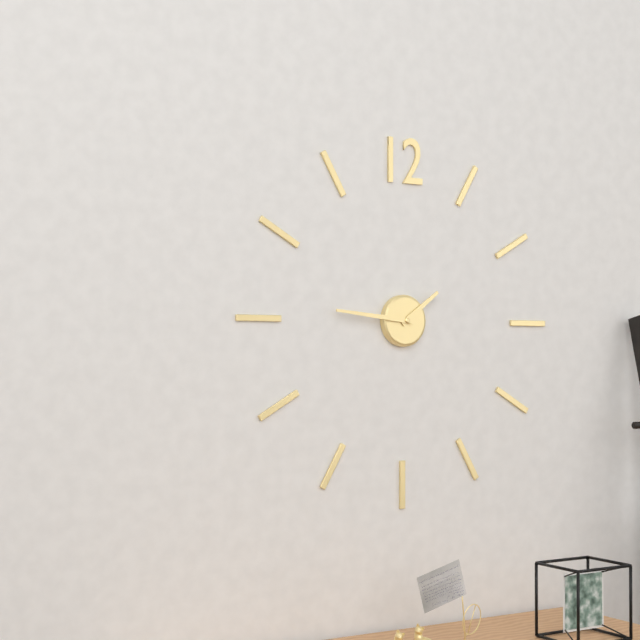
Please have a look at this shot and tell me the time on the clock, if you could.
1:46
